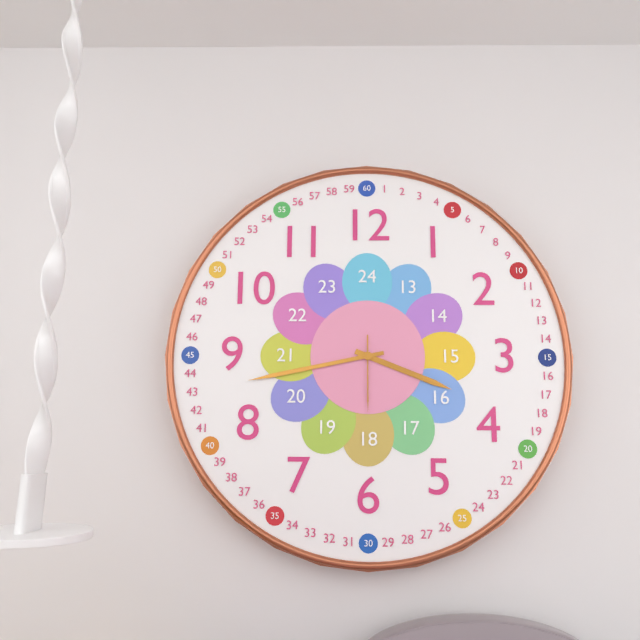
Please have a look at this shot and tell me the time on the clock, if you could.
3:43:30
